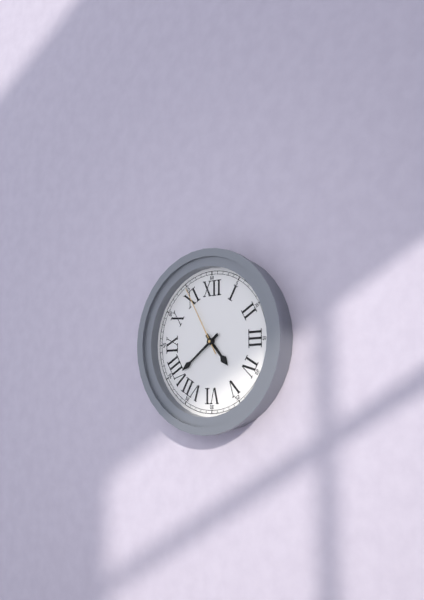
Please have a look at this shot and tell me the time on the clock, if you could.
4:39:55
